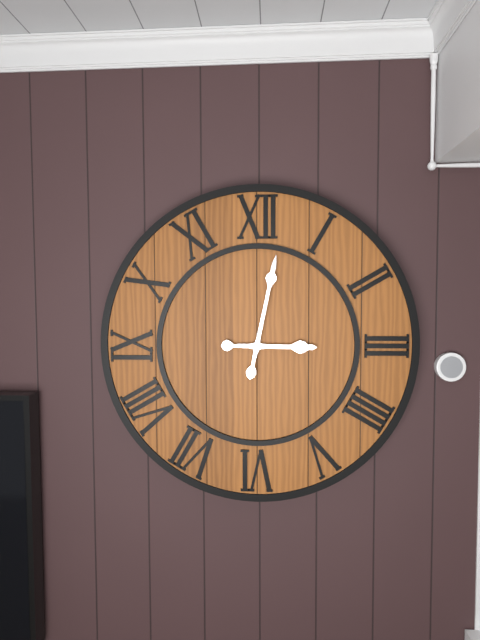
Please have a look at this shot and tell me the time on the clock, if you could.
3:02
